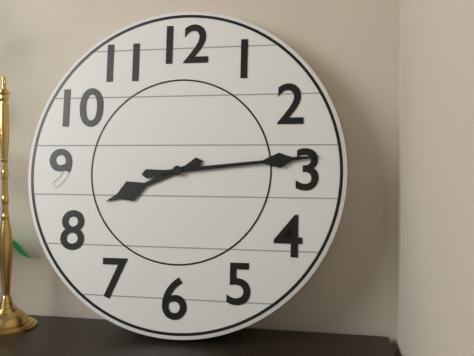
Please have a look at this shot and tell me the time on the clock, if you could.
8:14
